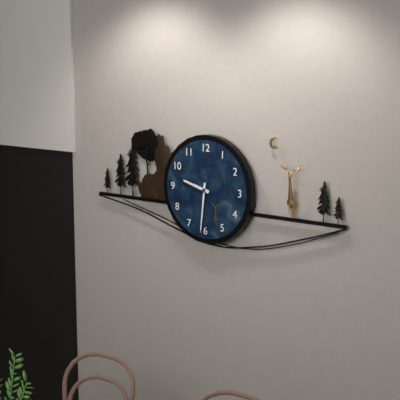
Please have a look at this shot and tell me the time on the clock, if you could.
9:31
